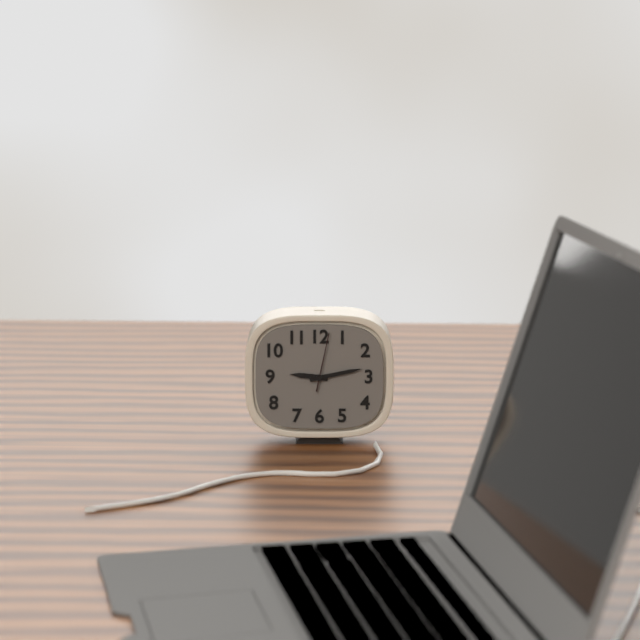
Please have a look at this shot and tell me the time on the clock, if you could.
9:13:02
